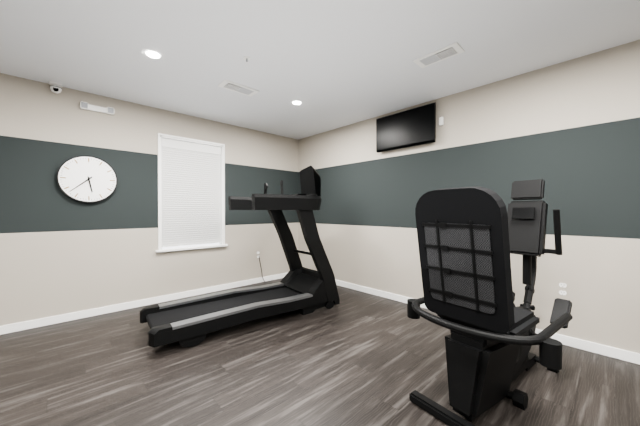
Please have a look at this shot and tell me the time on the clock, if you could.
5:38
